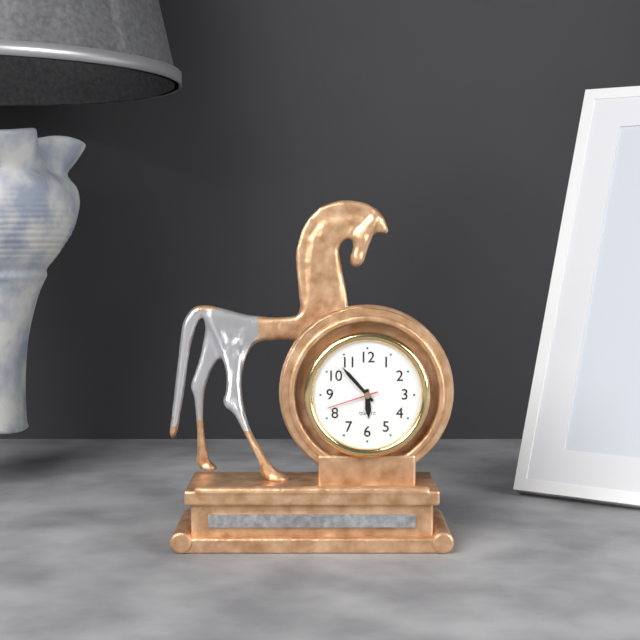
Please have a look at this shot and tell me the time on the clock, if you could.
5:53:42
